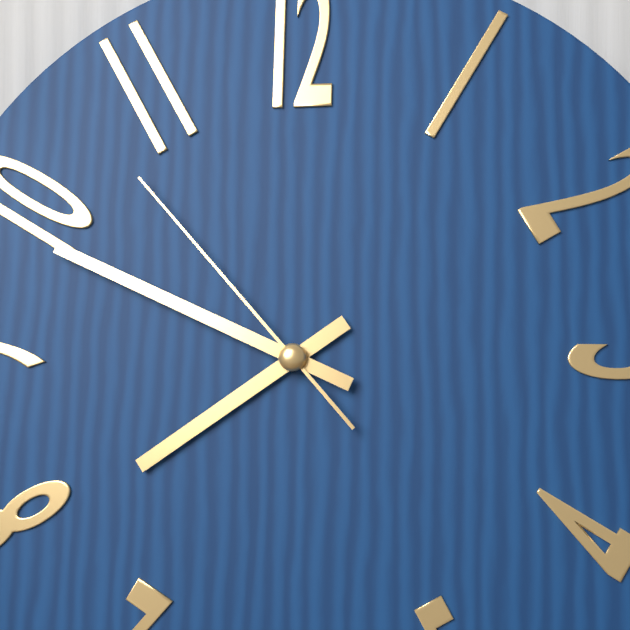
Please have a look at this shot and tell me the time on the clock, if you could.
7:49:53
